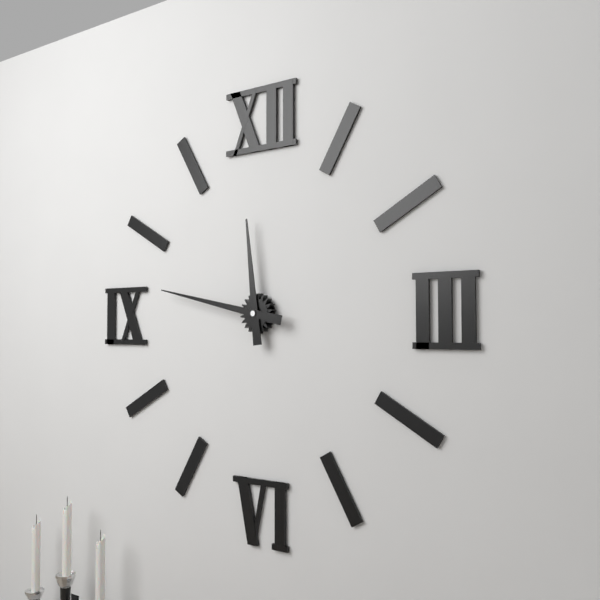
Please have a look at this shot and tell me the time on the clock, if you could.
11:47
